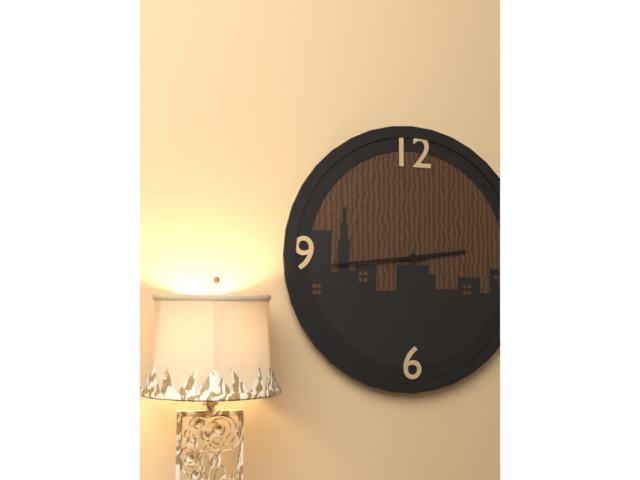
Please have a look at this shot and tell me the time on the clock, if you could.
2:44
